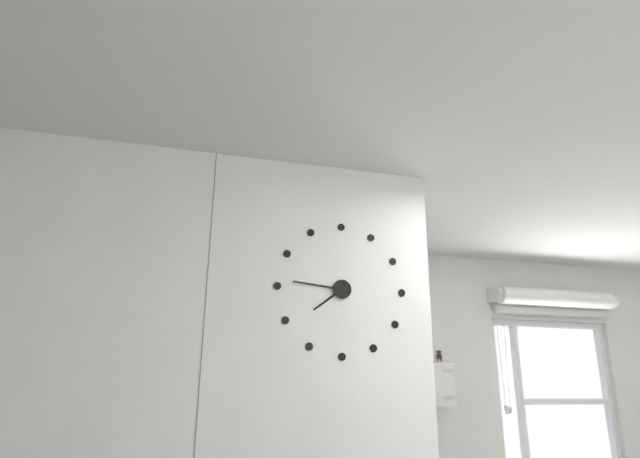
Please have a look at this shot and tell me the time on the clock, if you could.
7:46
